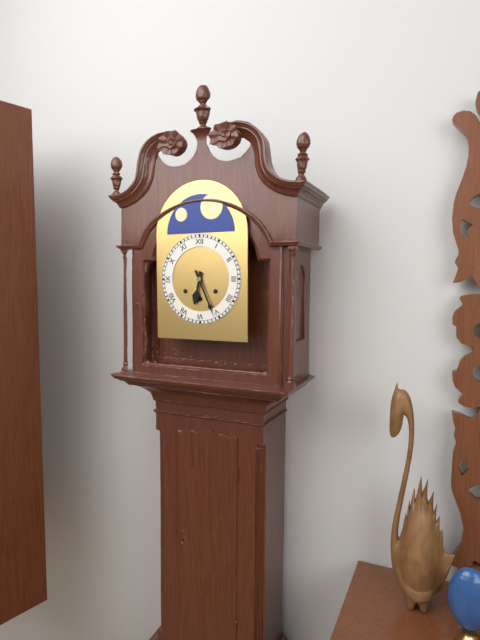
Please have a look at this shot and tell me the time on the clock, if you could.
6:26
